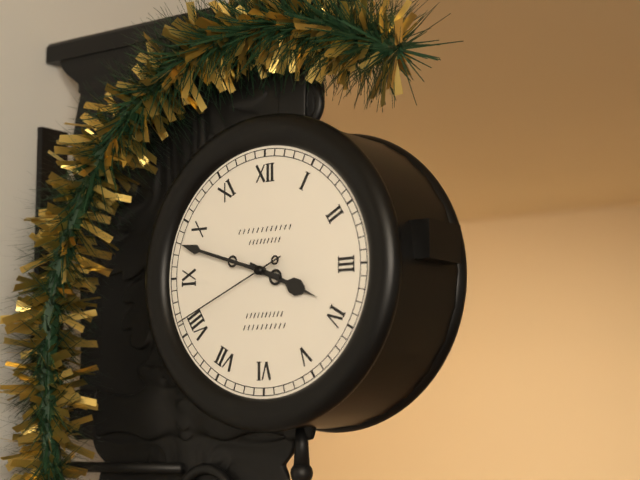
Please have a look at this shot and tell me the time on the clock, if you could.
3:48:41
